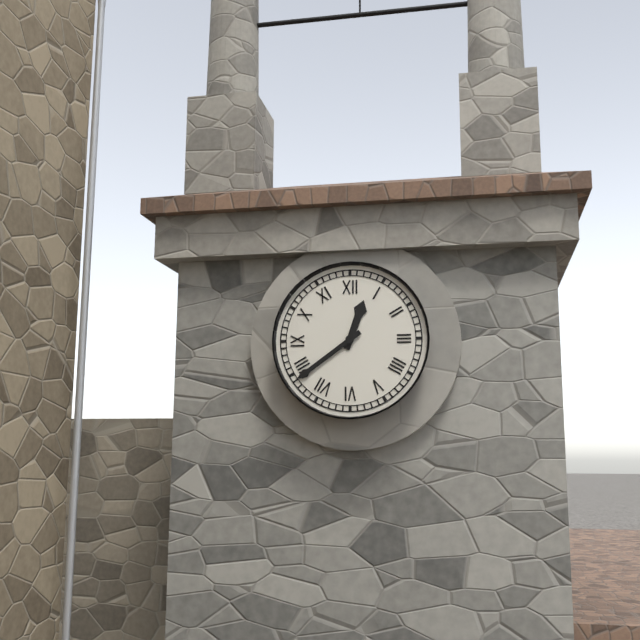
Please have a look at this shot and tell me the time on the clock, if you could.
12:39
